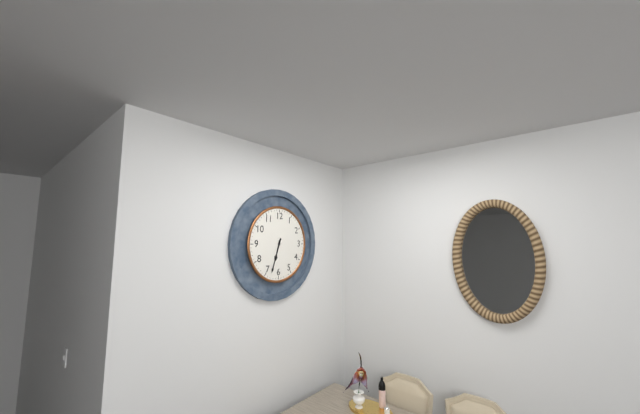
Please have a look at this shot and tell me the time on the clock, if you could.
6:33
